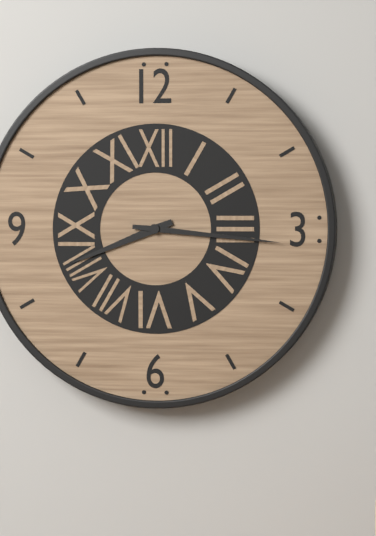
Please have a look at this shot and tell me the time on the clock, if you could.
8:16
